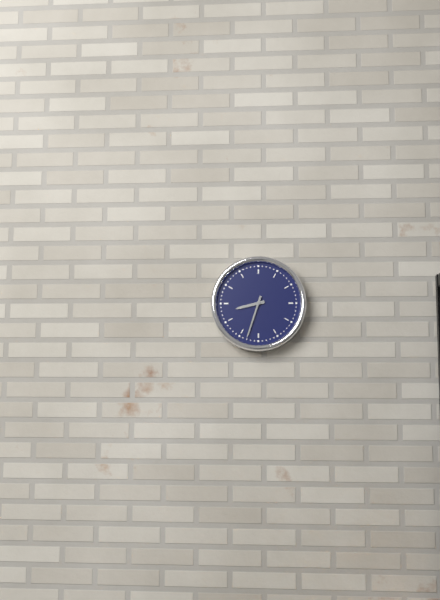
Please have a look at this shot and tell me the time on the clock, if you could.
8:33
